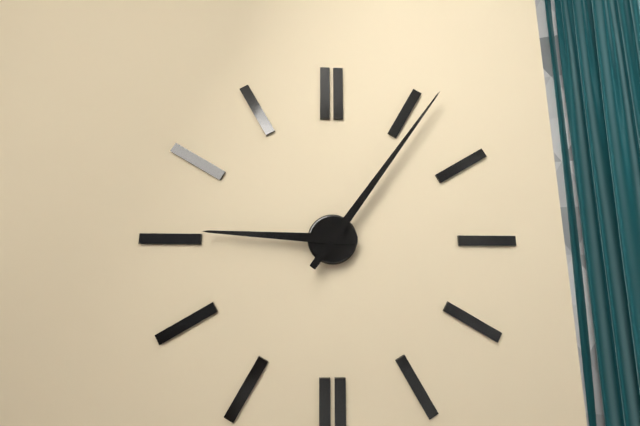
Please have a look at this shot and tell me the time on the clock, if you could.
9:06
